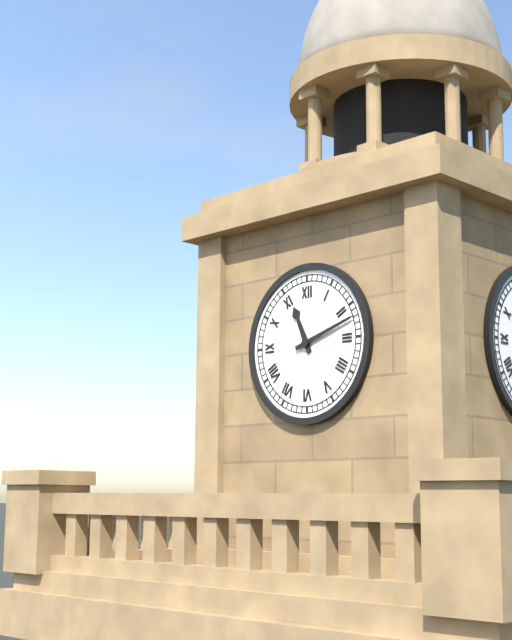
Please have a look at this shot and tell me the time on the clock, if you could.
11:12
